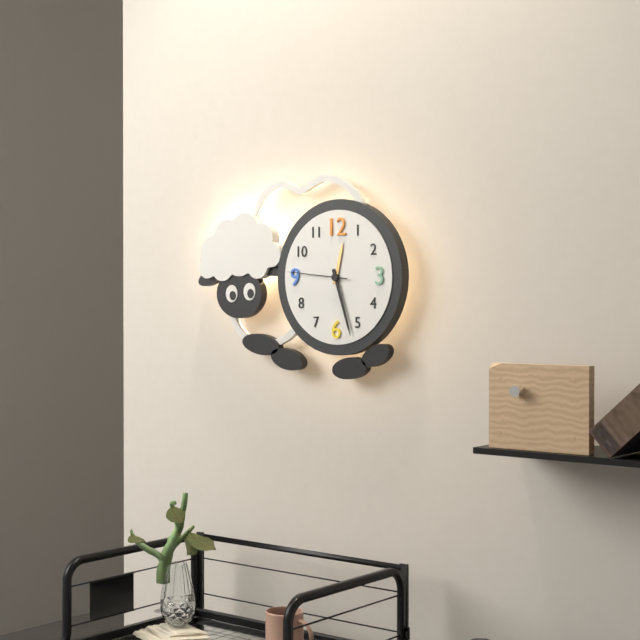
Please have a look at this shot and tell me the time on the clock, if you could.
12:27:46
